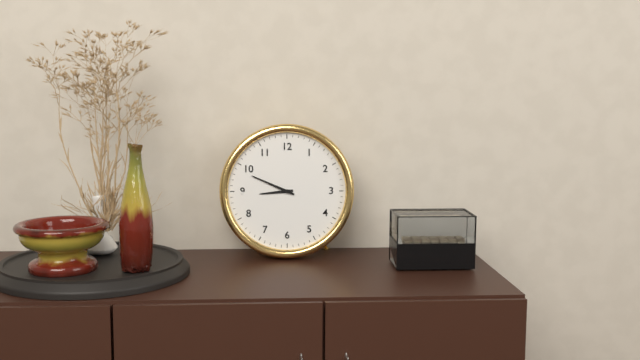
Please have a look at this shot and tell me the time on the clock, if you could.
8:49
